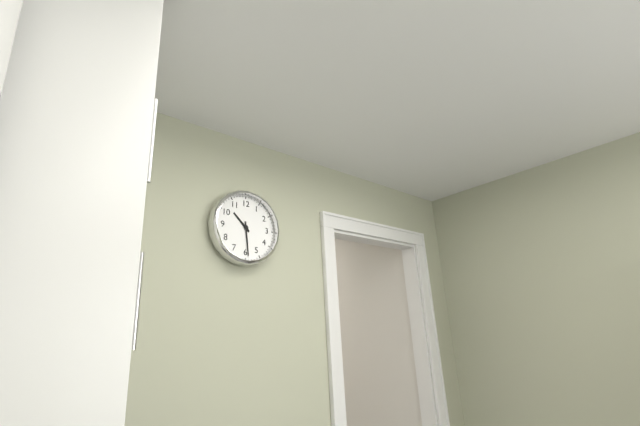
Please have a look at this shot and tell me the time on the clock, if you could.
10:29
